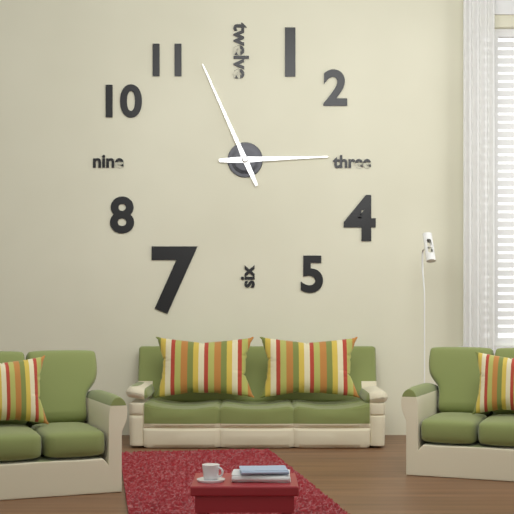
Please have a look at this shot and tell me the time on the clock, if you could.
2:56
